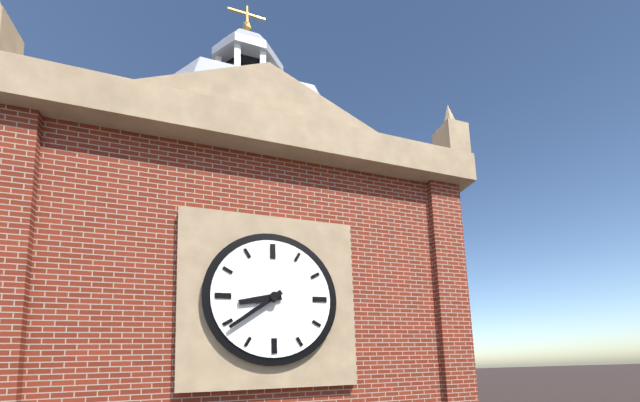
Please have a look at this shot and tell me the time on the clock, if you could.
8:39
